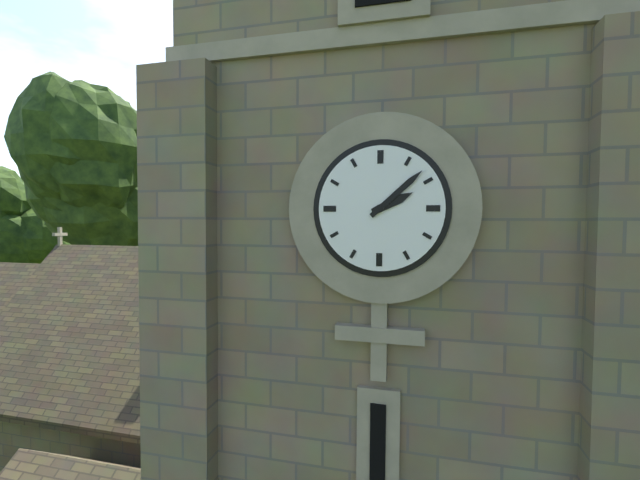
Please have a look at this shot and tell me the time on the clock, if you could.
2:08
